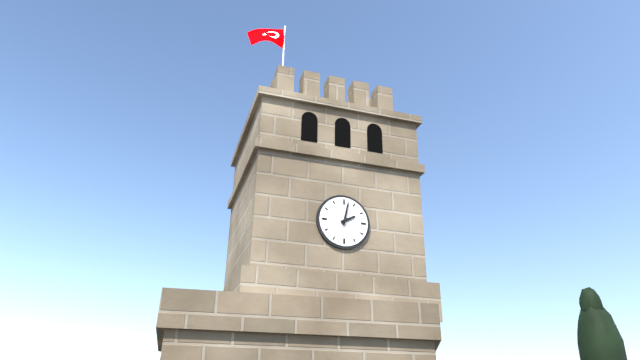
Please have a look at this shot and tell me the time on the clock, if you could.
2:02
